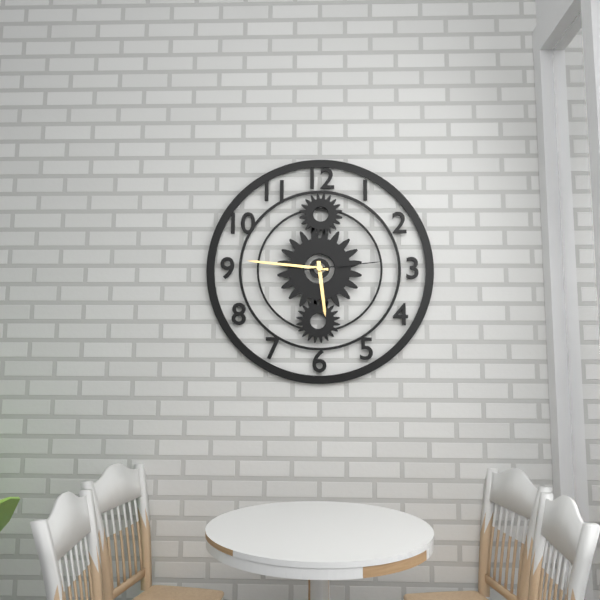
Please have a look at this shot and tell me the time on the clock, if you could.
5:46:14
